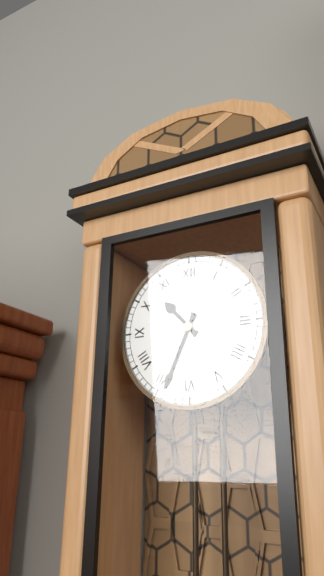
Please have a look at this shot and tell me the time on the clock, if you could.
10:34
